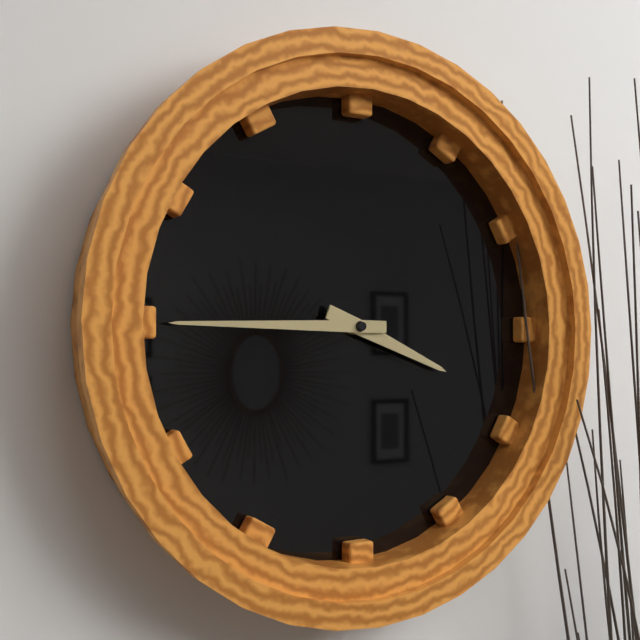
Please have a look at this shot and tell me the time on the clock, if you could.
3:45
